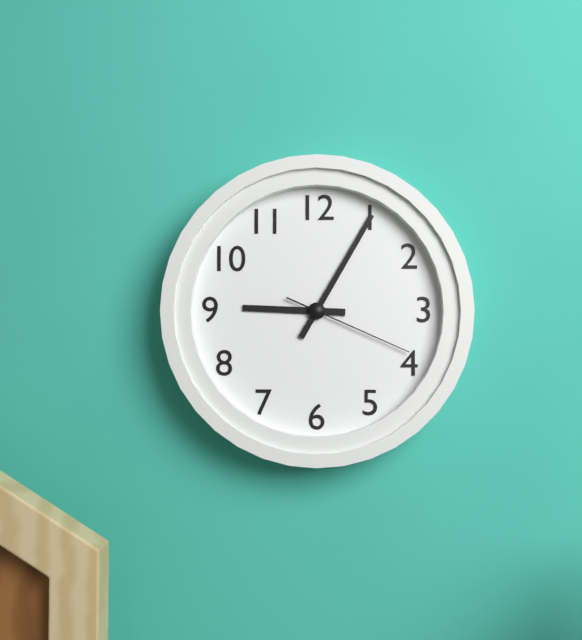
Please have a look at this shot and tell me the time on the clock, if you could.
9:05:19
